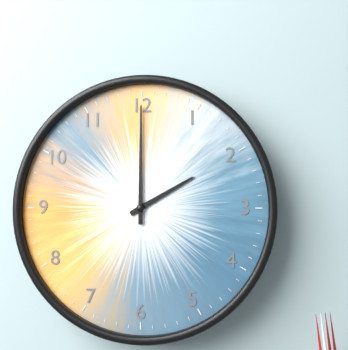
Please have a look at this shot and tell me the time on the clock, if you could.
2:00
